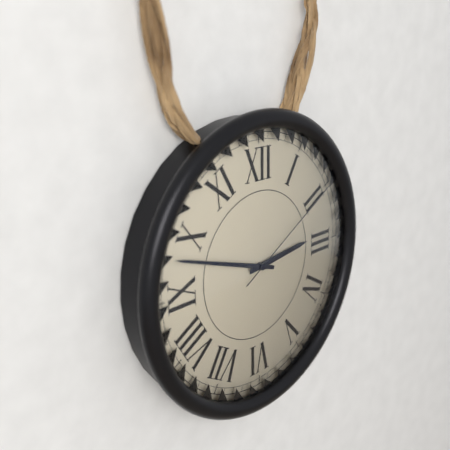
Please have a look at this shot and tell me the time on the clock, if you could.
2:48:10
